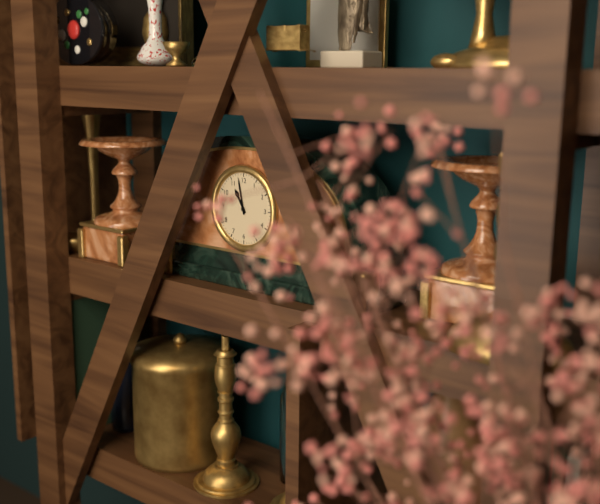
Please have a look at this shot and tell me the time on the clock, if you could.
10:58
